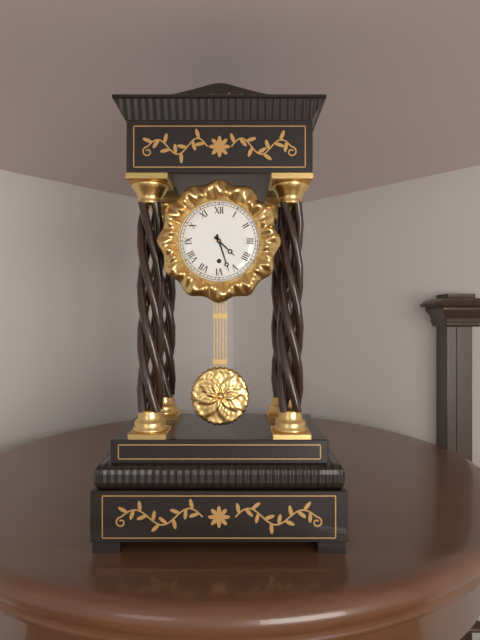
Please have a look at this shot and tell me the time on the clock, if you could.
4:27
